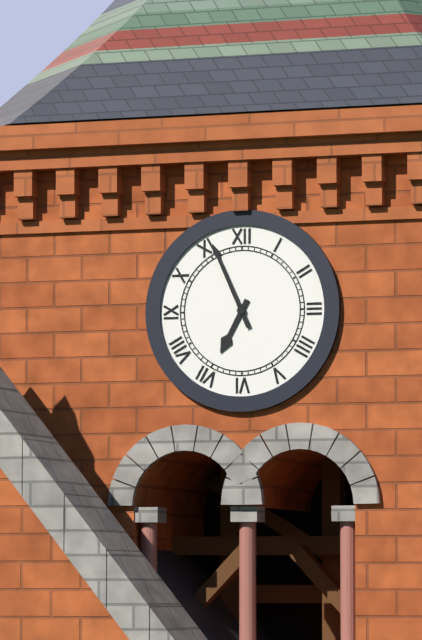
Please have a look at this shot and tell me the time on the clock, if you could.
6:56
